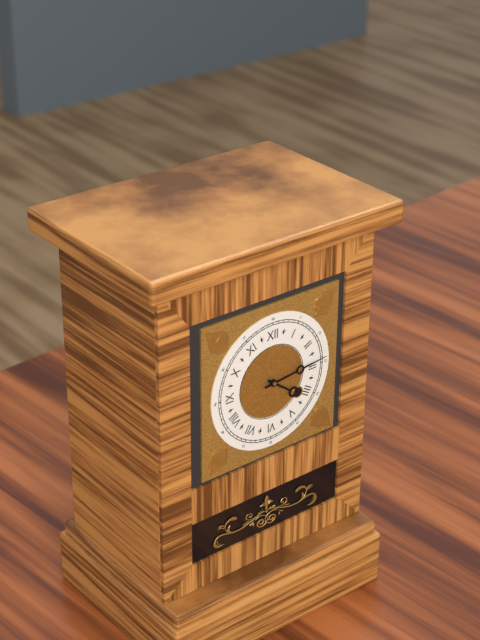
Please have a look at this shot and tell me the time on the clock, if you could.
4:14
